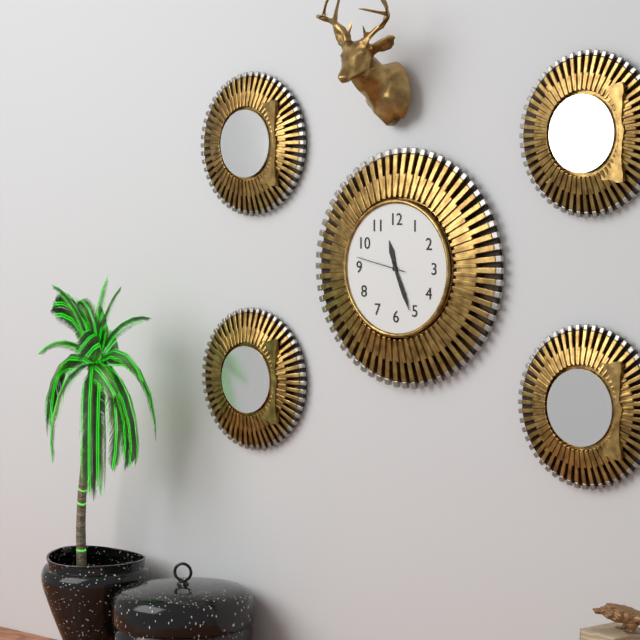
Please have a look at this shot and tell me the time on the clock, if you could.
11:26:47
